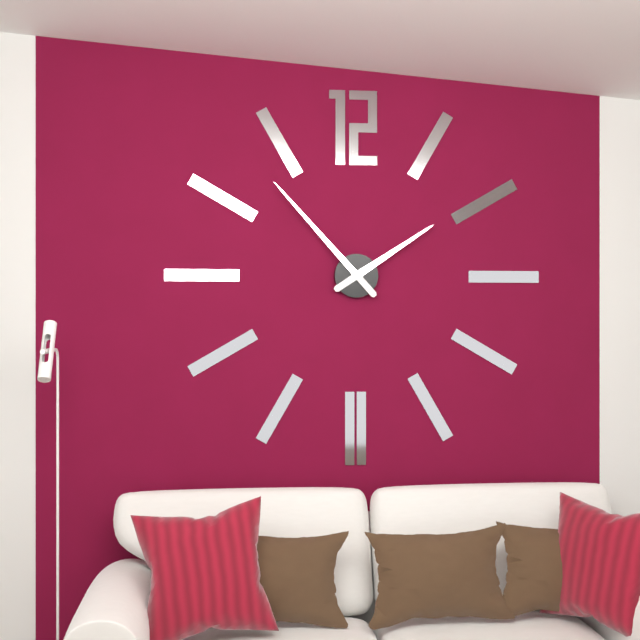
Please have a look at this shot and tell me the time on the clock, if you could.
1:53
